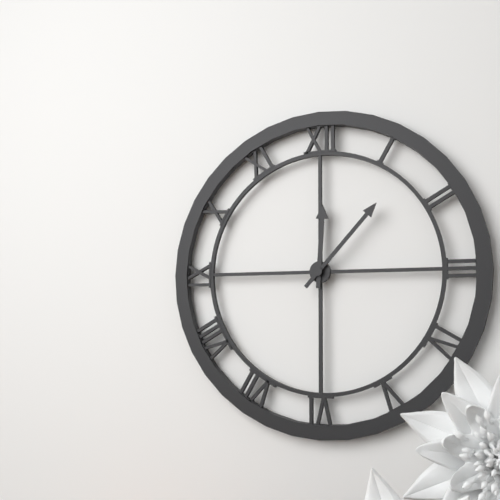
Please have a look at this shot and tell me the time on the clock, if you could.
12:07
